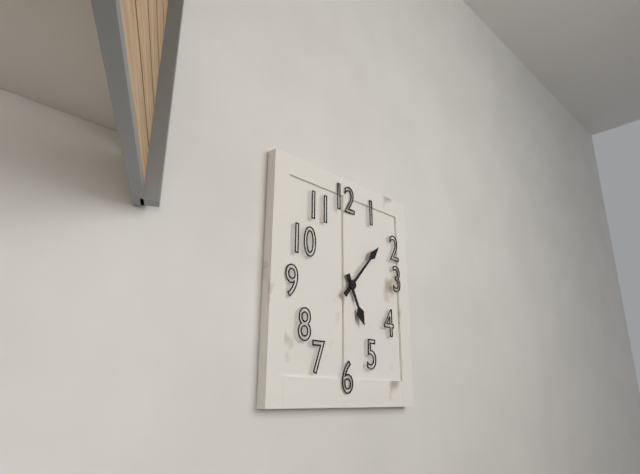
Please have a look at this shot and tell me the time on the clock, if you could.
5:07
